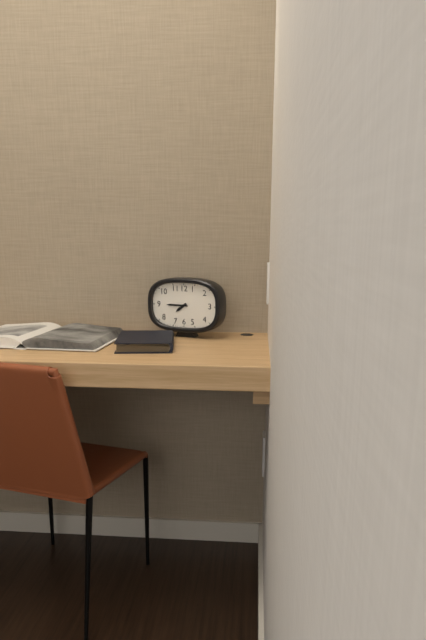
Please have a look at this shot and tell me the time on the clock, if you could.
7:45
